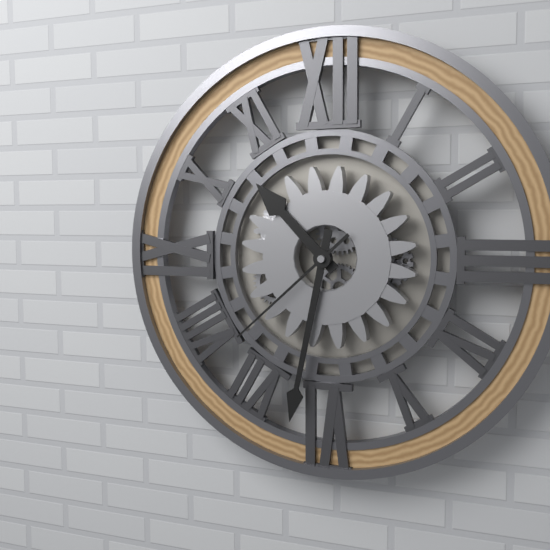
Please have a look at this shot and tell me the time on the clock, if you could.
10:32:38
